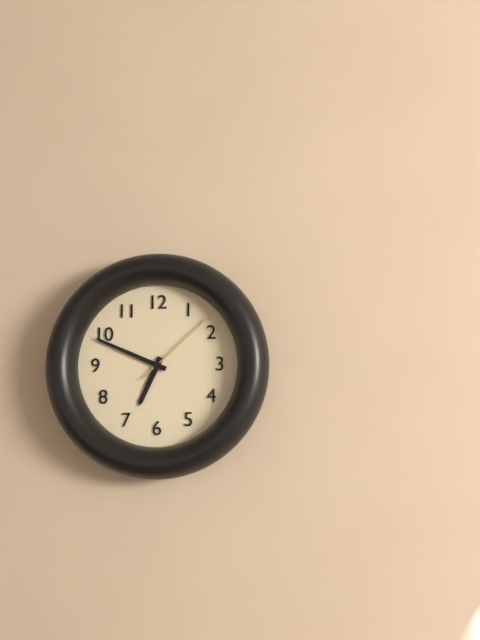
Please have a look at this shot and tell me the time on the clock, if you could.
6:49:08
